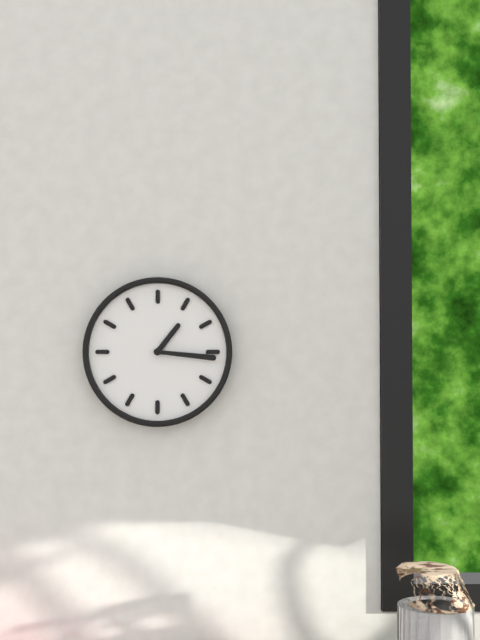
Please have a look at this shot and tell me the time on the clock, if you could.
1:16
